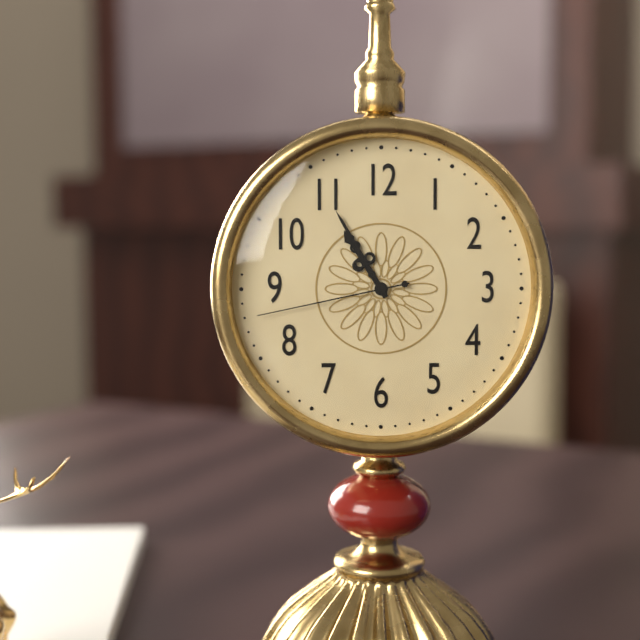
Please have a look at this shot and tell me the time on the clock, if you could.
10:55:43
